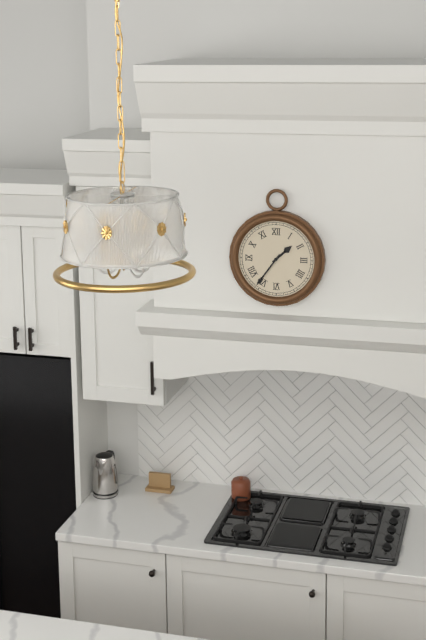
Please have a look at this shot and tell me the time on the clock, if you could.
1:36
